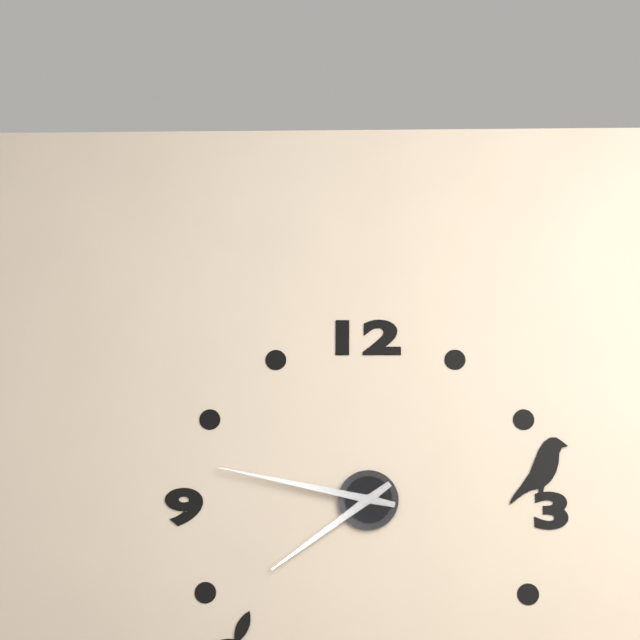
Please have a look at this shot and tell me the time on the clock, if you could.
7:47
